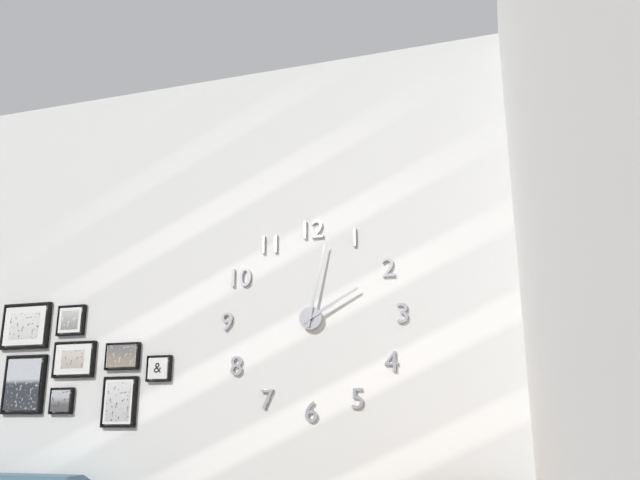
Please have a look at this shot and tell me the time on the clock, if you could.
2:02
